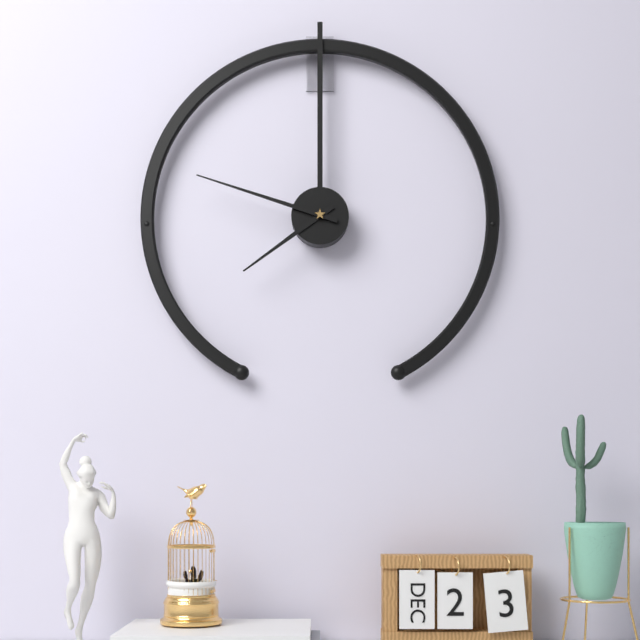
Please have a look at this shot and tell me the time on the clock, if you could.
7:48
